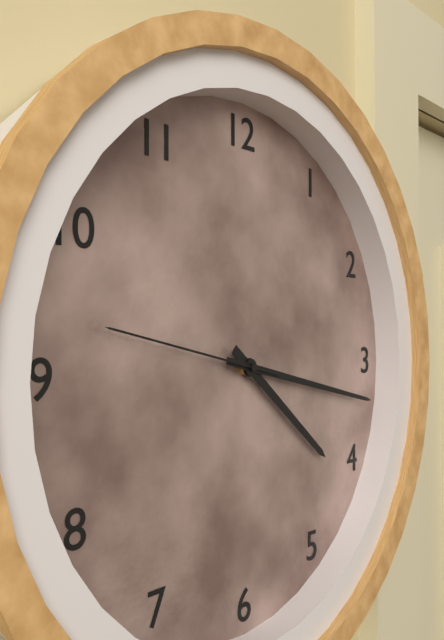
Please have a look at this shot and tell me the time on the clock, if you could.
4:17:47
